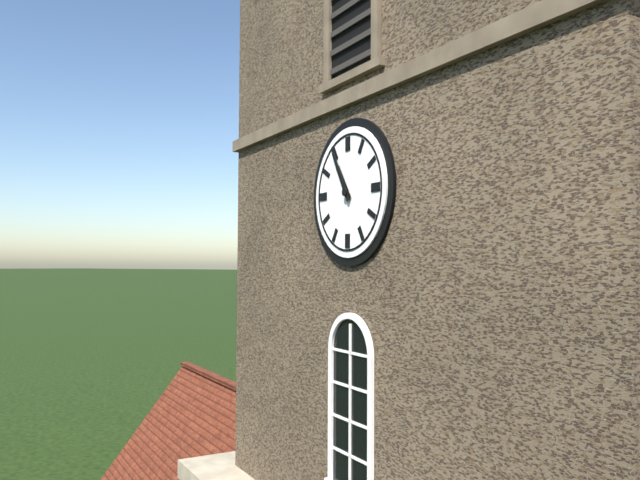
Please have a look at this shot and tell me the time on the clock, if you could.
10:55
